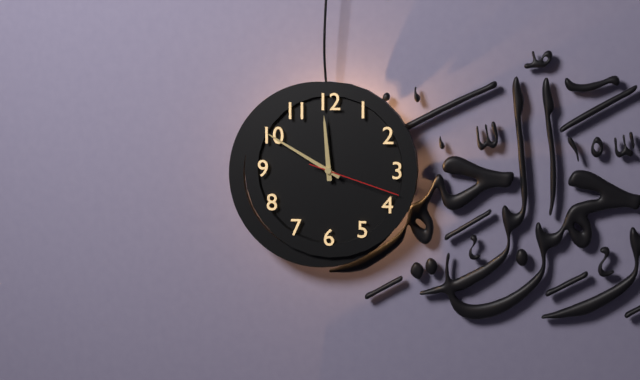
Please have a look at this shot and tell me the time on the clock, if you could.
11:50:18
